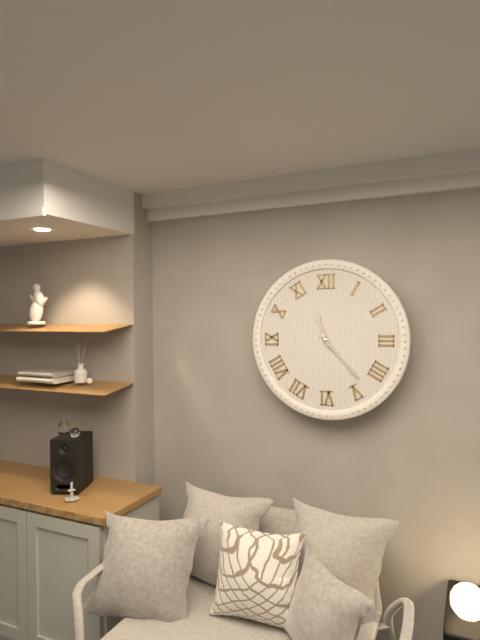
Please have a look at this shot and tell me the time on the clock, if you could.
11:23
